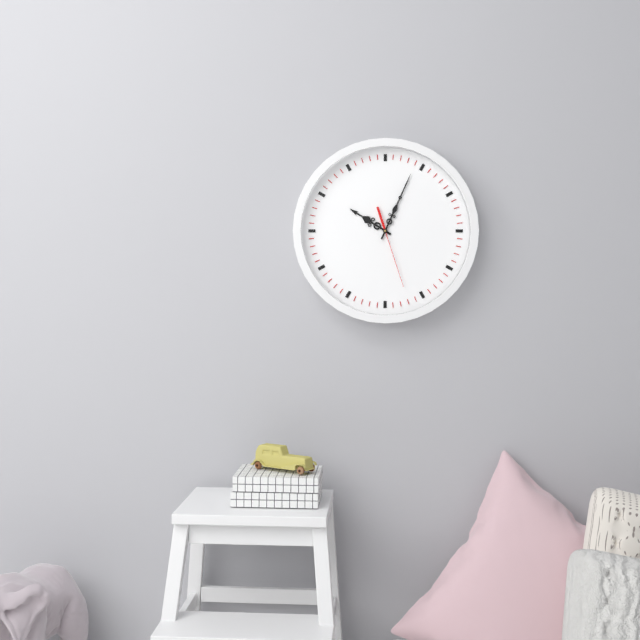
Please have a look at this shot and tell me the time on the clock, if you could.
10:04:27
